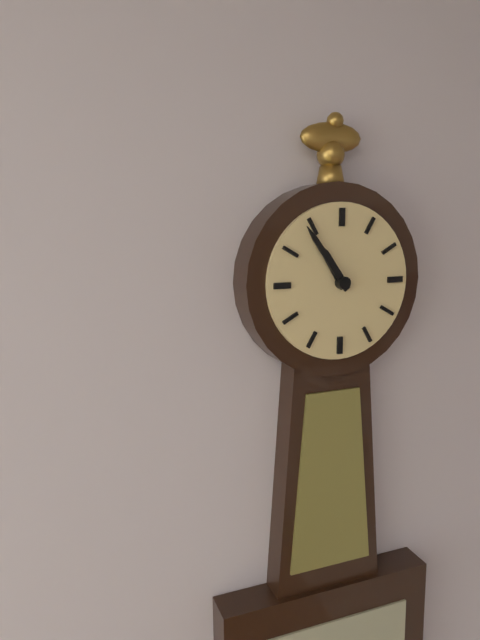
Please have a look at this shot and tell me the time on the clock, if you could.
10:54
